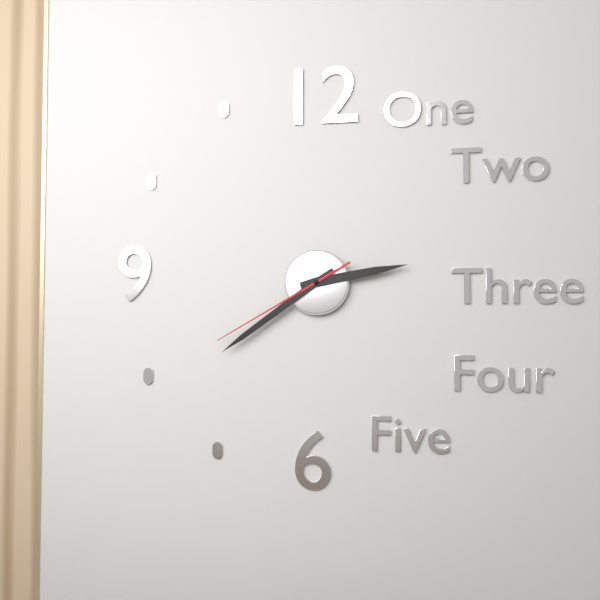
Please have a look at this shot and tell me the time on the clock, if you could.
2:39:40
